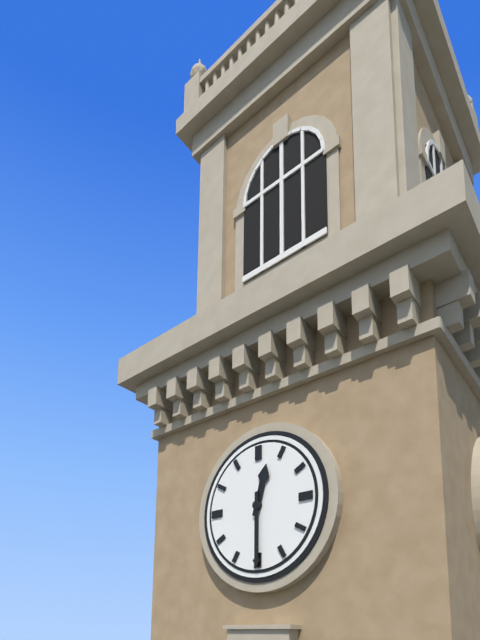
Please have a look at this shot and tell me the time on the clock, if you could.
12:30
